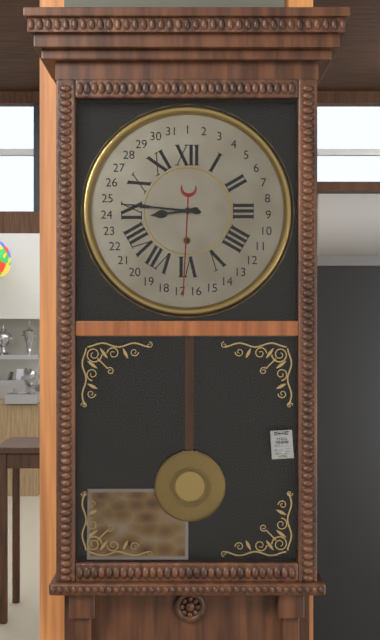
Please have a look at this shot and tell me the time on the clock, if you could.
8:46
